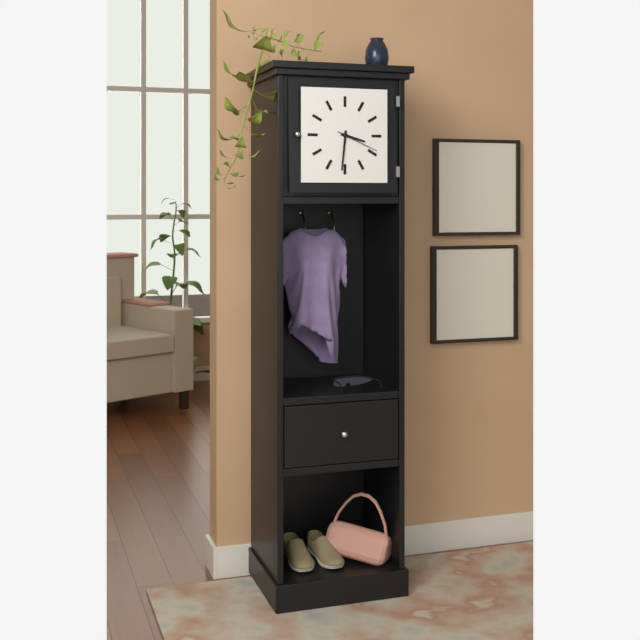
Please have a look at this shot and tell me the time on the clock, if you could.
3:31
